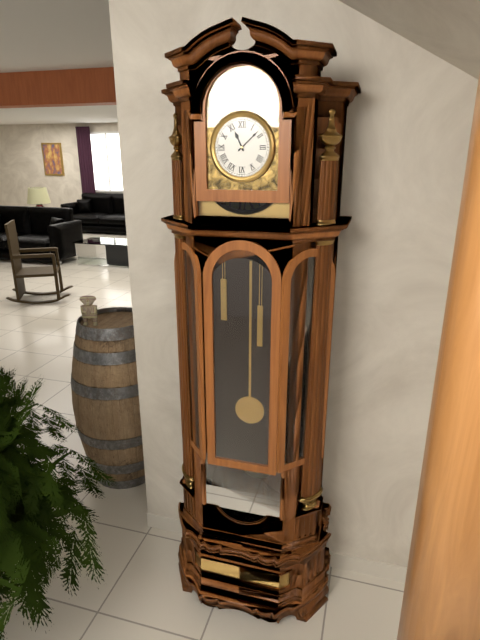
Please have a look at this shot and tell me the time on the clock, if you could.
11:08
